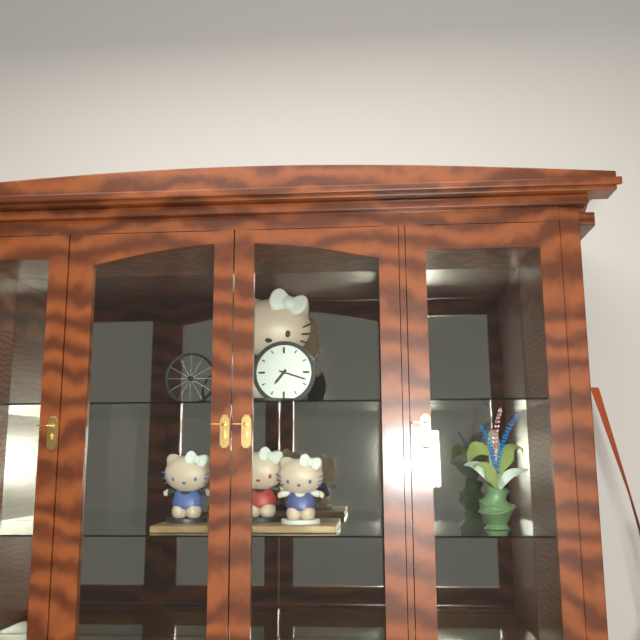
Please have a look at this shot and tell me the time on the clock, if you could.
7:18
